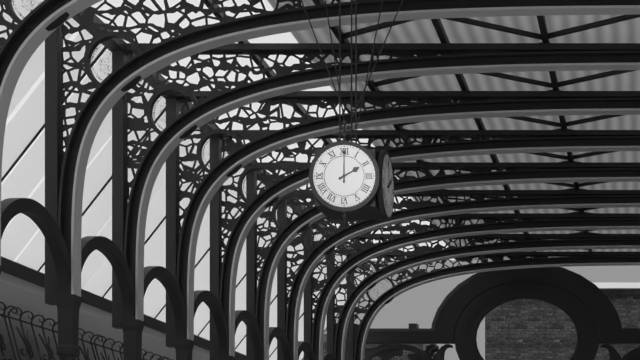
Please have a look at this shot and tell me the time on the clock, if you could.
2:00
